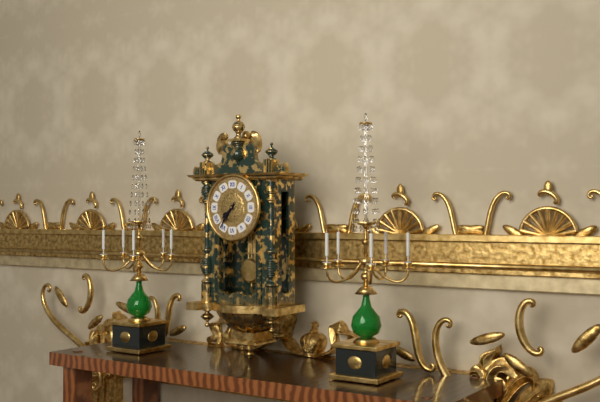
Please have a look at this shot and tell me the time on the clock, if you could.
7:36
